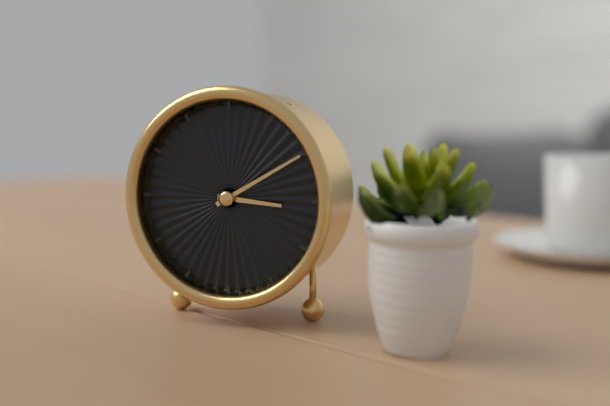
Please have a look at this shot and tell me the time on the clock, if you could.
3:10
